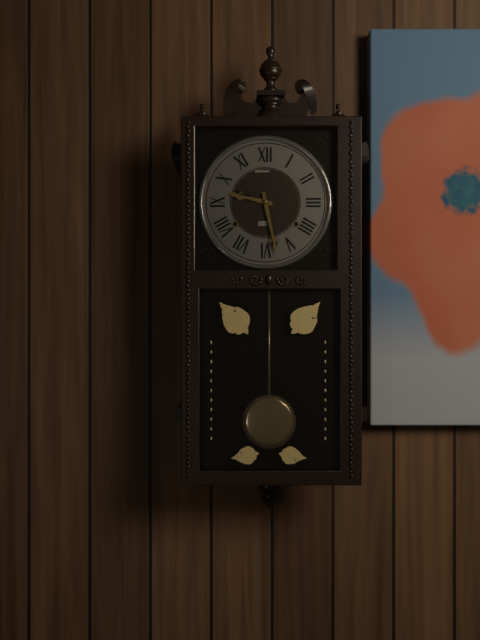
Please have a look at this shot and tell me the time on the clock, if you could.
9:28
